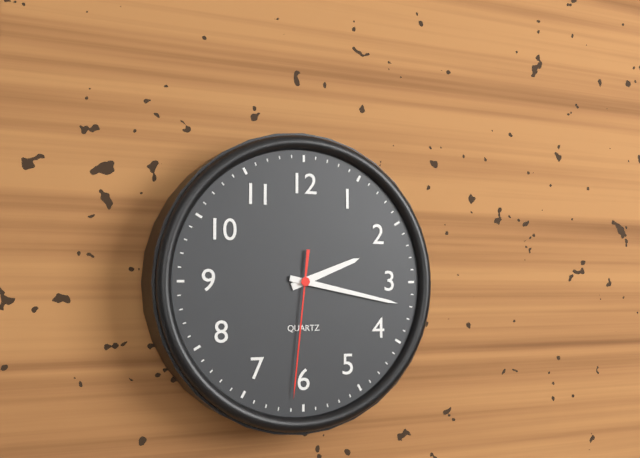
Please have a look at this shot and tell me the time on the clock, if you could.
2:17:31
